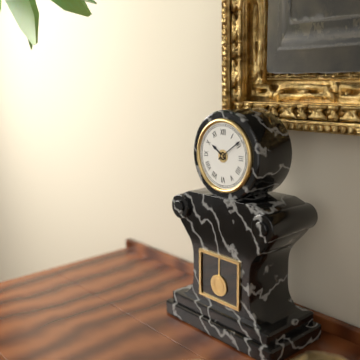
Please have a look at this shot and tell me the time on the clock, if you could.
10:09
